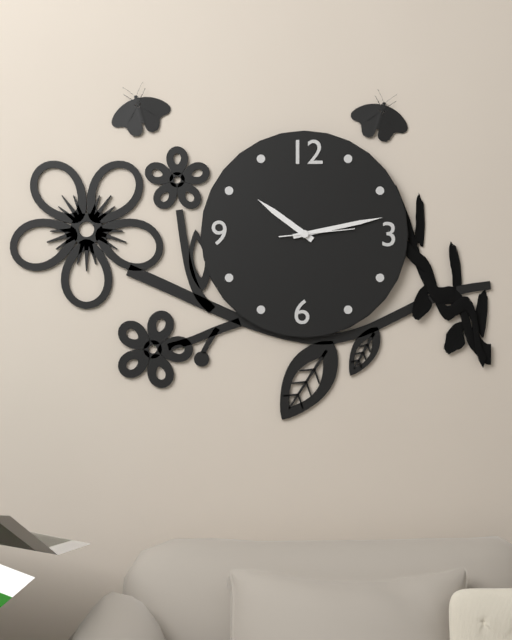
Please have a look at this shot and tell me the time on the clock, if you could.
10:13:14
